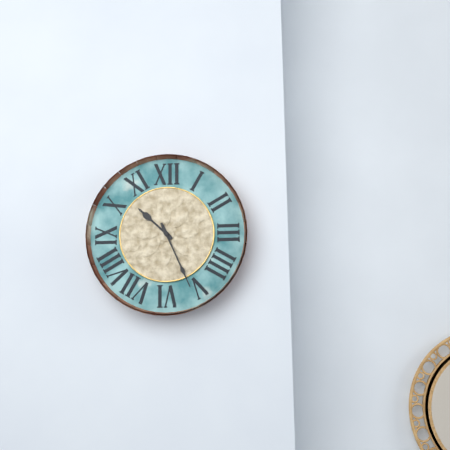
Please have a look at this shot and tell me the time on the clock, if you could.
10:26
